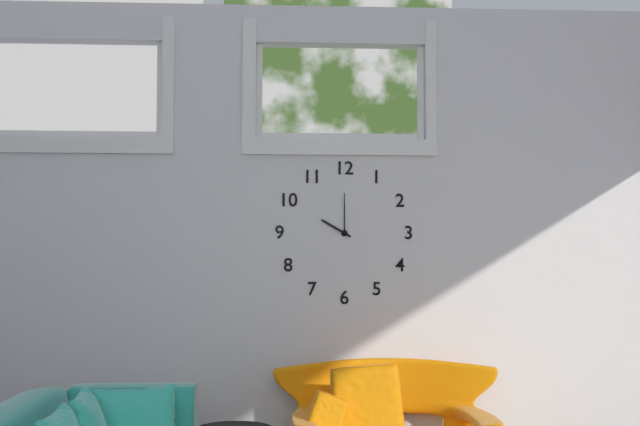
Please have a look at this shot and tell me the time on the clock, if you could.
10:00
